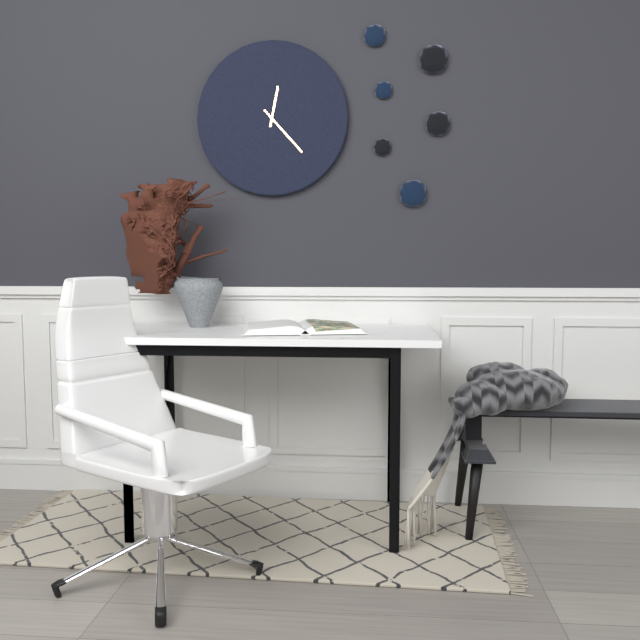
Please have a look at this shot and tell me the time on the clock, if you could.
12:23
